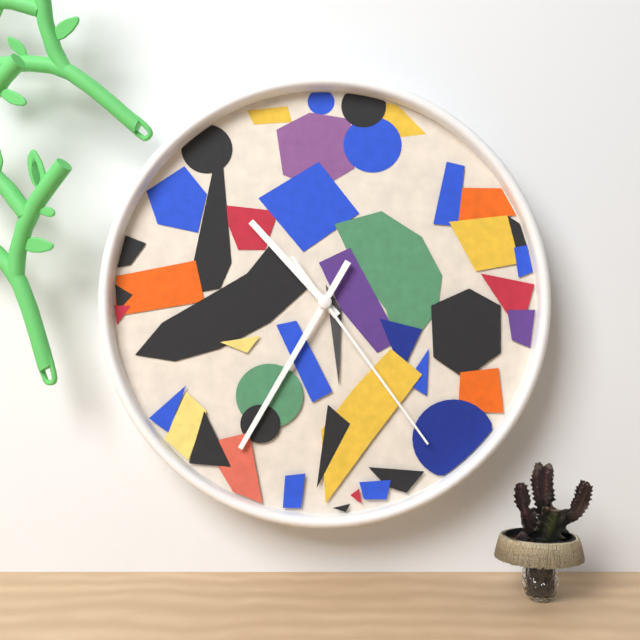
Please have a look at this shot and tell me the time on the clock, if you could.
10:35:24
